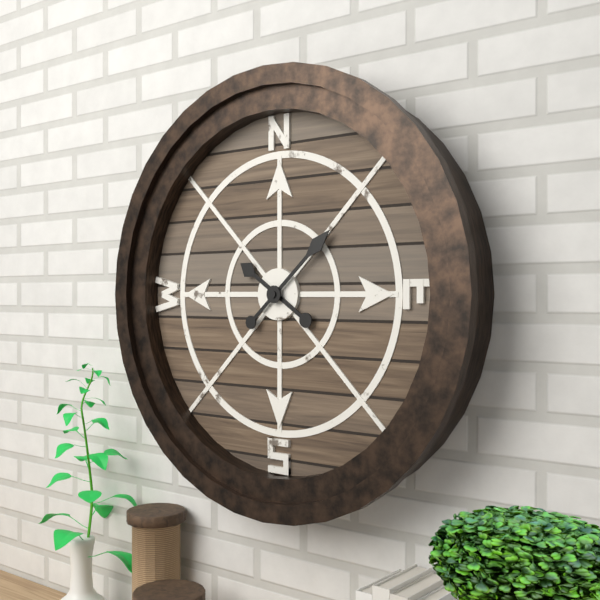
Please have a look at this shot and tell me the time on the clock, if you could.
10:08
